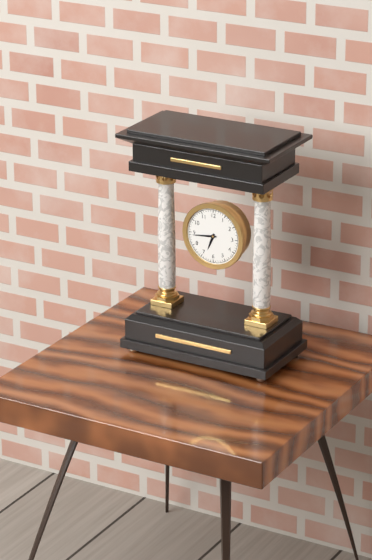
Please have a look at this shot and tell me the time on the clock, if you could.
6:44
